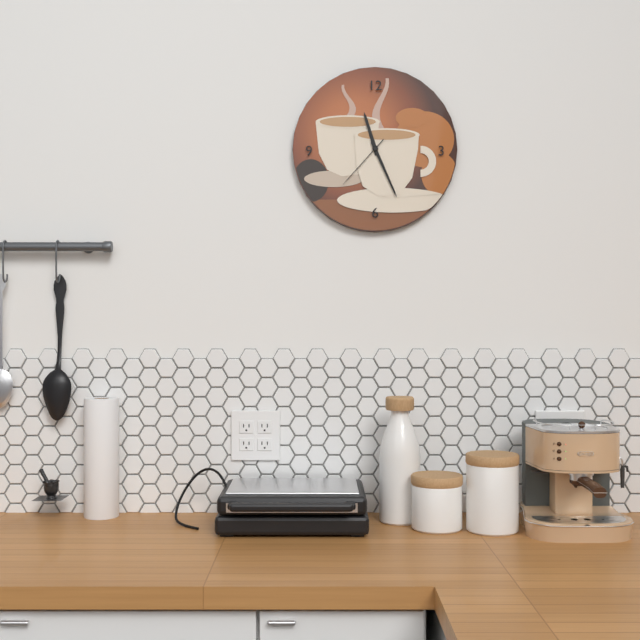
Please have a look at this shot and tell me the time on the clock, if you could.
11:26:37
